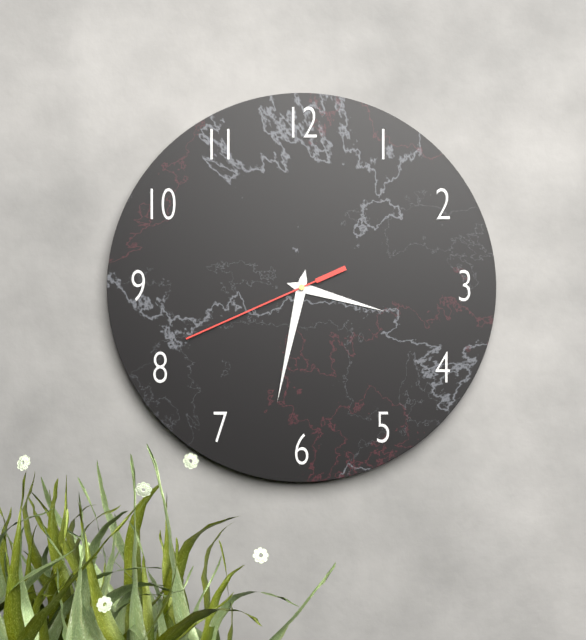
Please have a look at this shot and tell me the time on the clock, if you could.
3:32:41
